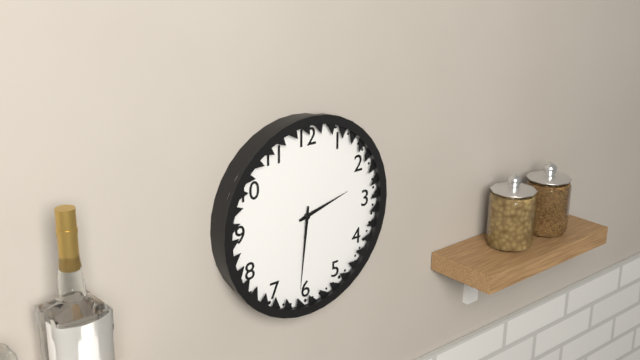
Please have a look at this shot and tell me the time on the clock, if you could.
2:31
